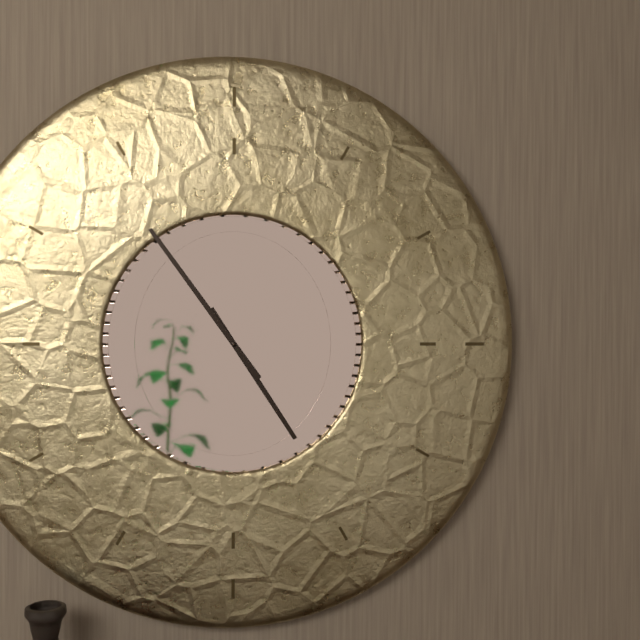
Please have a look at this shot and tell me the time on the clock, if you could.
4:54
